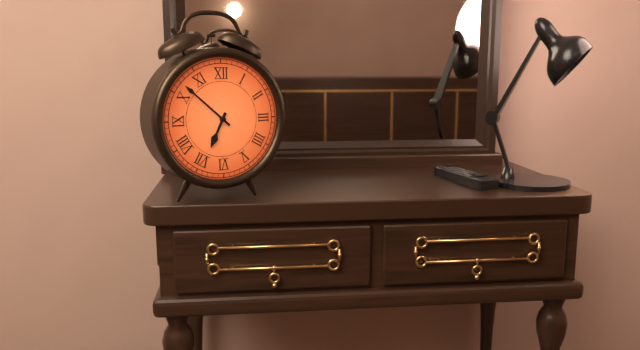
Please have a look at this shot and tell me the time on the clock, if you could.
6:52
